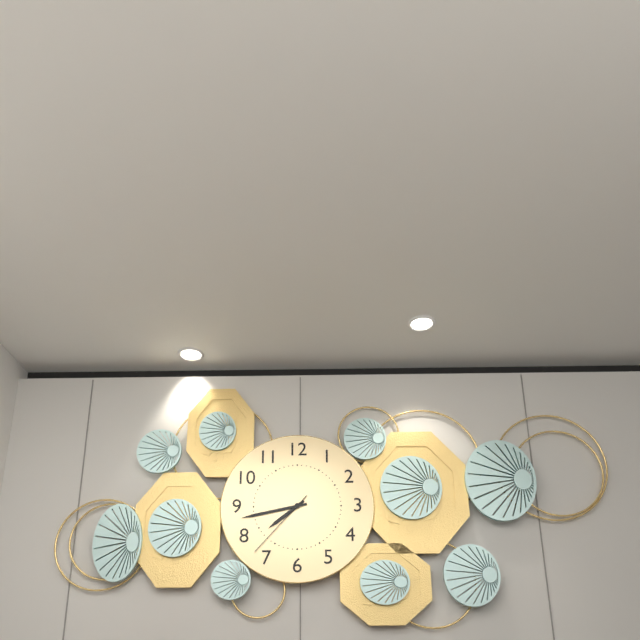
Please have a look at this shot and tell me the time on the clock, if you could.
7:43:37
